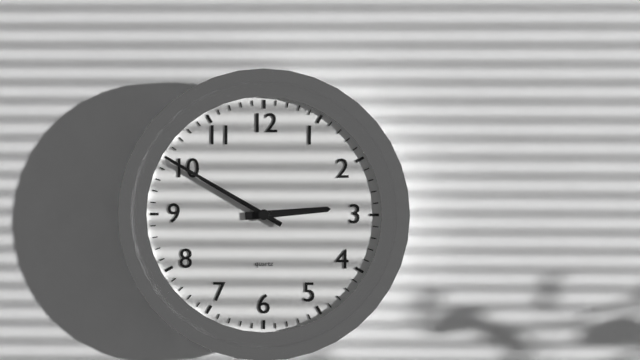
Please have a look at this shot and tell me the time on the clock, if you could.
2:50
